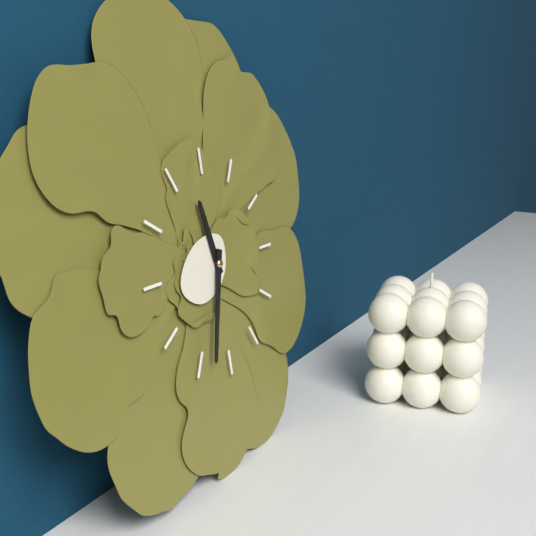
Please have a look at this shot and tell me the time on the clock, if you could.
11:33
